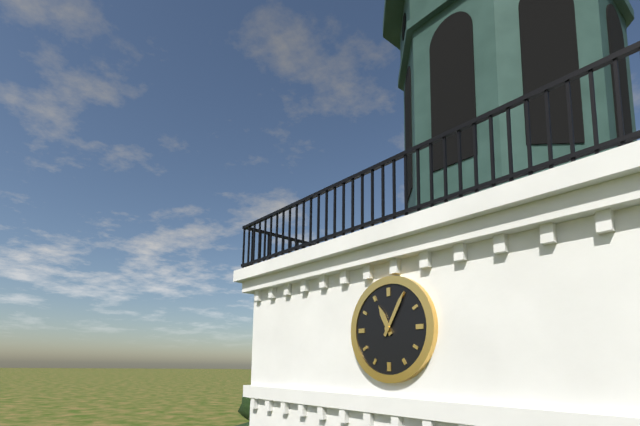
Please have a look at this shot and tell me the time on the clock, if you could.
11:05
